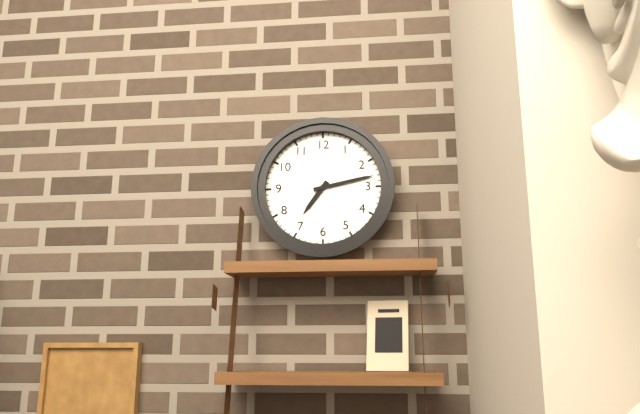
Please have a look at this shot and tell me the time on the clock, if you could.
7:13
